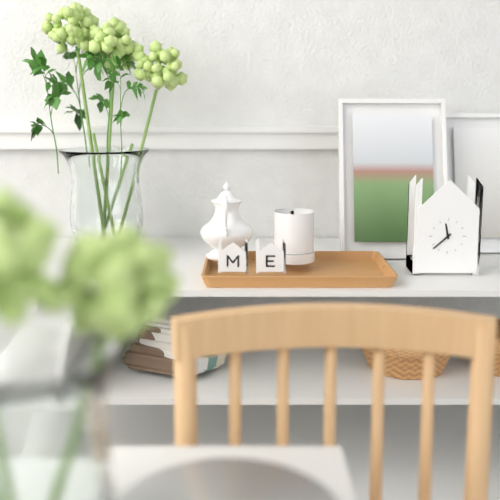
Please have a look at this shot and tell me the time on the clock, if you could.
11:38
